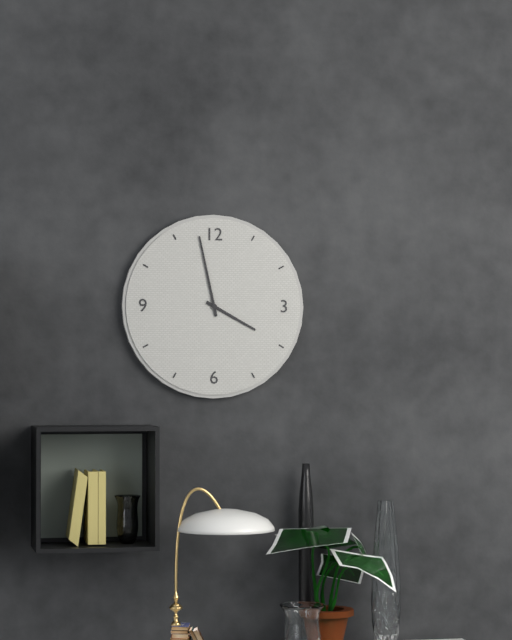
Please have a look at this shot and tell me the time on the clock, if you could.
3:58
